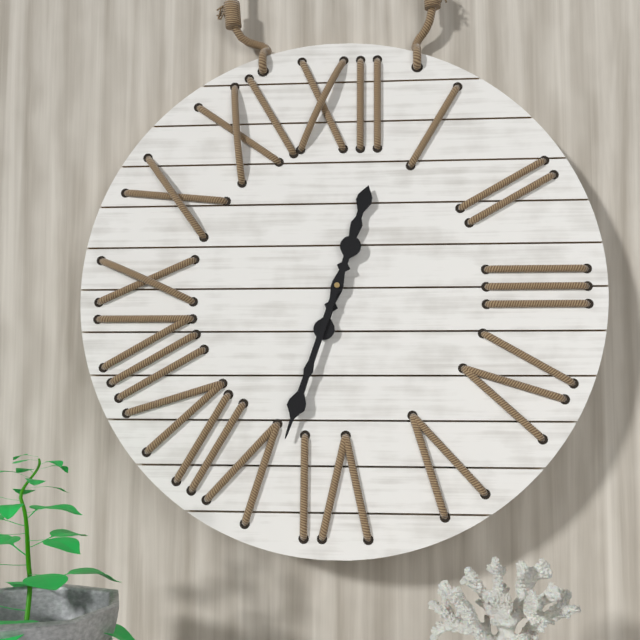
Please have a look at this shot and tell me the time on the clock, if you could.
12:33
